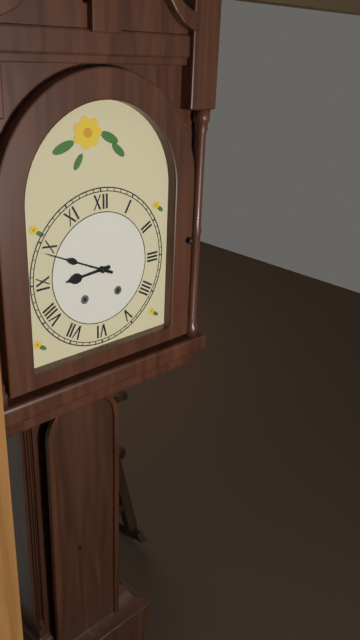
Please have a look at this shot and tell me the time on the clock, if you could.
8:49
